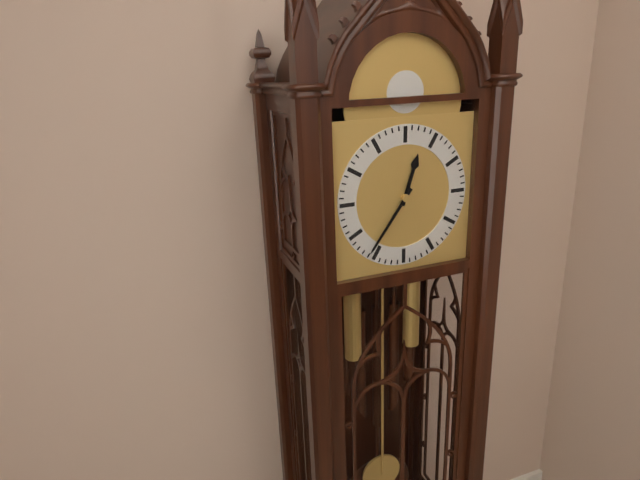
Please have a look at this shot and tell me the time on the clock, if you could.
12:36
